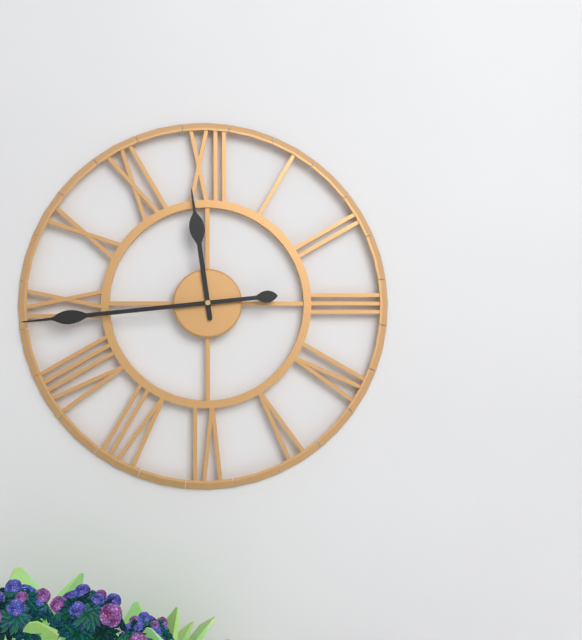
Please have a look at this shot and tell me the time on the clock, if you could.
11:44
